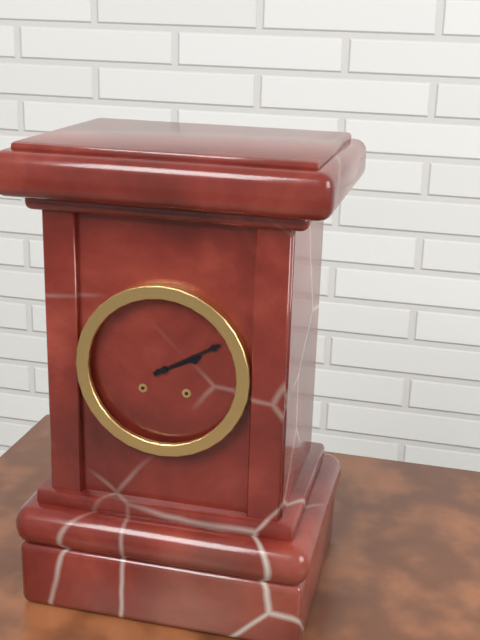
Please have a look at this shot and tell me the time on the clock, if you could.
2:10
